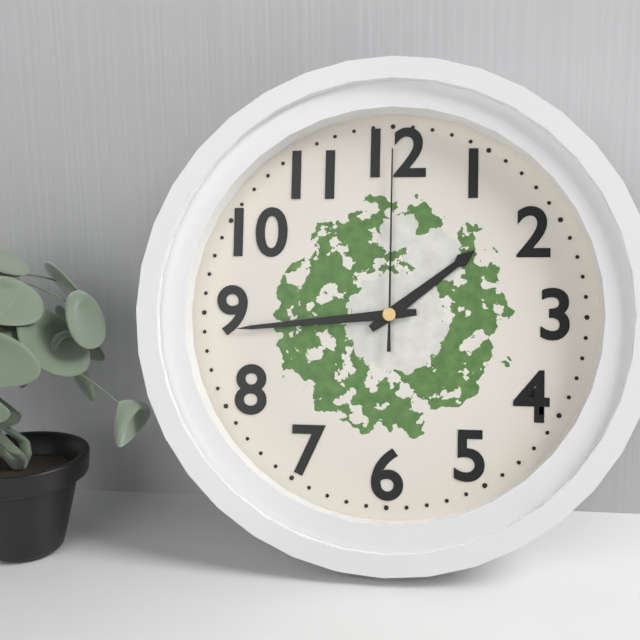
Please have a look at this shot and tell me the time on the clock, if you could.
1:44:00
